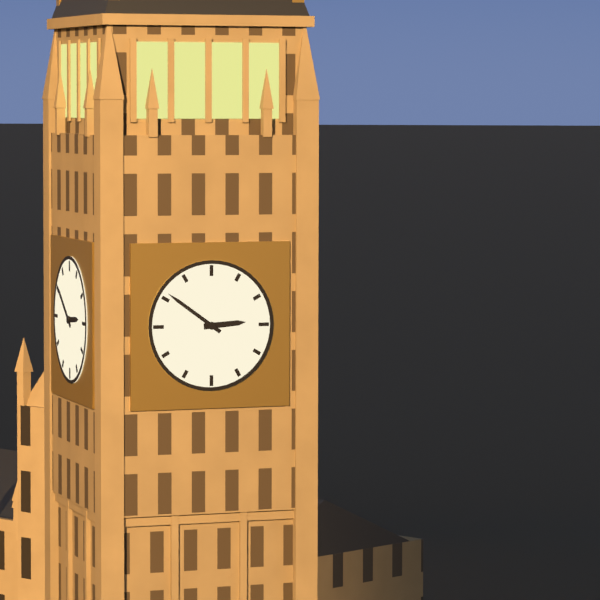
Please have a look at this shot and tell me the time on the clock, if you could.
2:51
